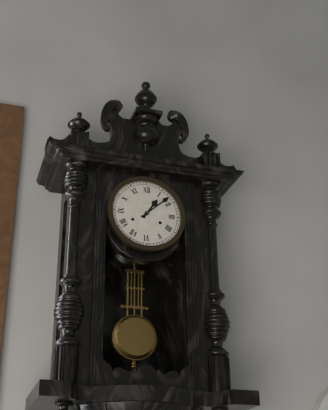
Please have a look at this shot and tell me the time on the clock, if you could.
1:08
